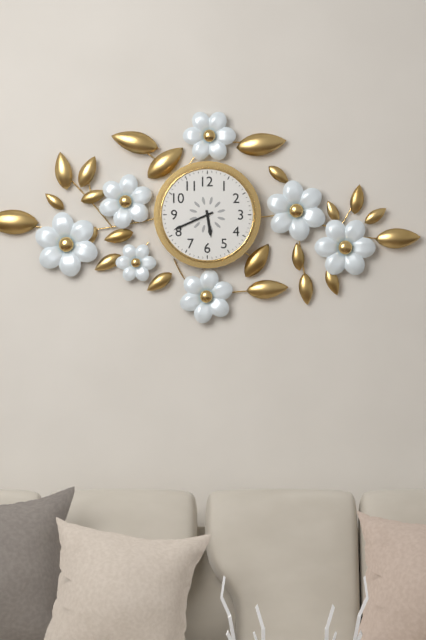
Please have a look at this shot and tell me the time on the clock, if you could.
5:41
